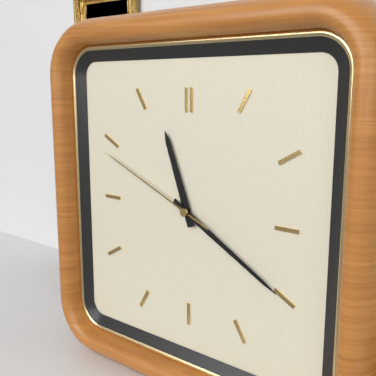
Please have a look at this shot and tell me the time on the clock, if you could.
11:20:49
